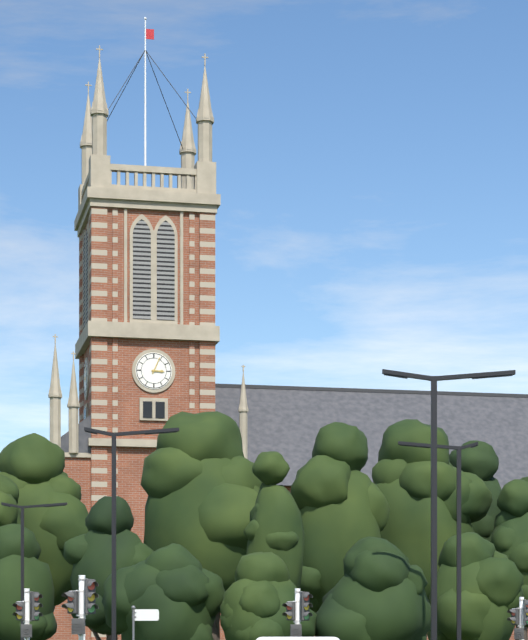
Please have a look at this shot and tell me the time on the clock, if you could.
3:04
